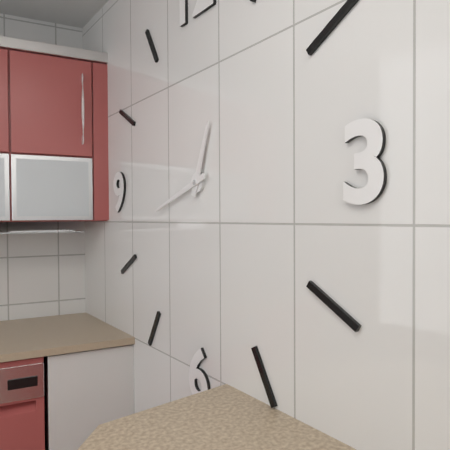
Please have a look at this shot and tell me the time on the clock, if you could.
12:42
